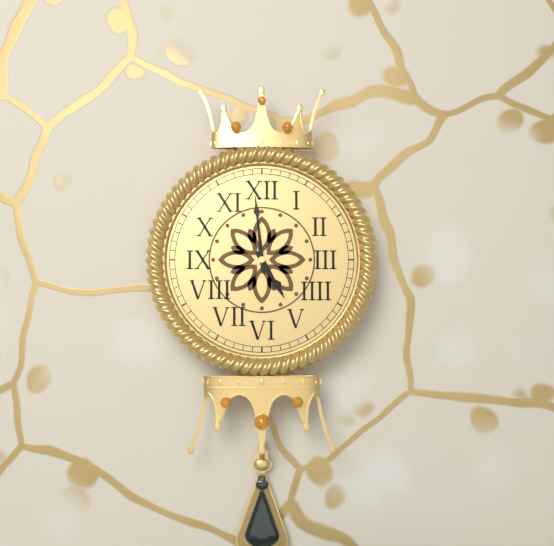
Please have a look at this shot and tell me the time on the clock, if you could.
4:59
